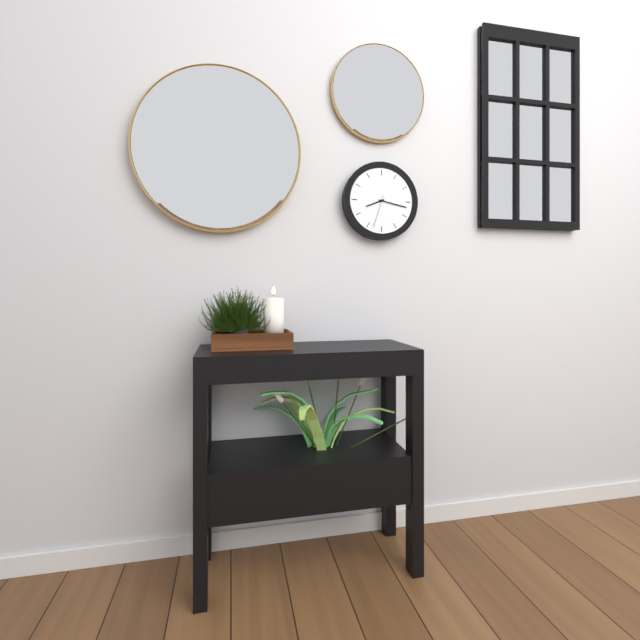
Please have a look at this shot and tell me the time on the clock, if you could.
8:17
